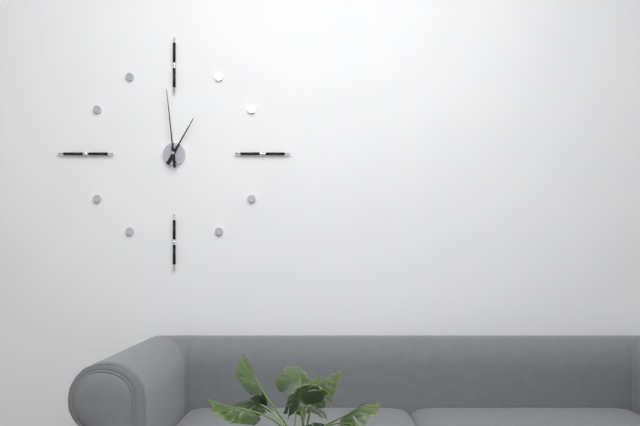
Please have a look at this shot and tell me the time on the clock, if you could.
12:59
